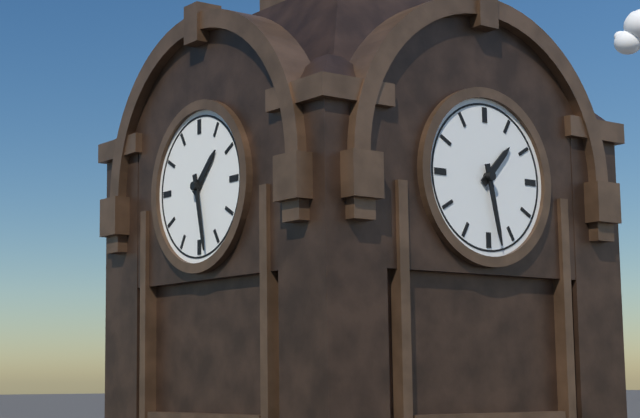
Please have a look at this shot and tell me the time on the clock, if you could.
1:28
